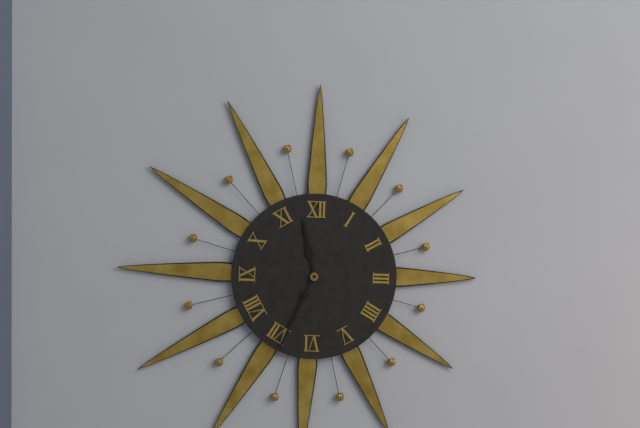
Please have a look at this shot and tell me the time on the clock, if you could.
11:34
